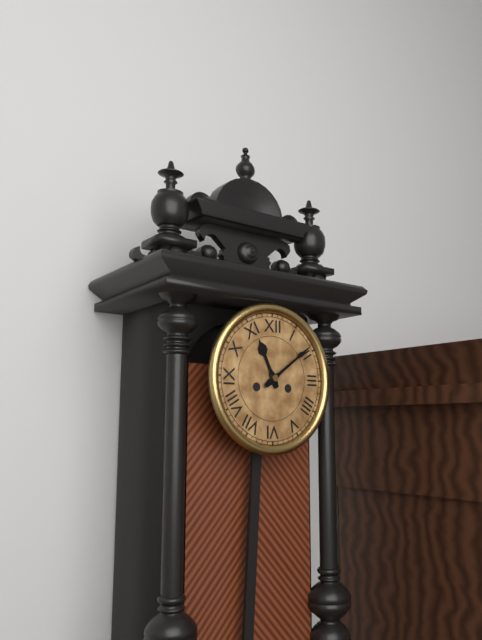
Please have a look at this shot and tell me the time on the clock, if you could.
11:09
